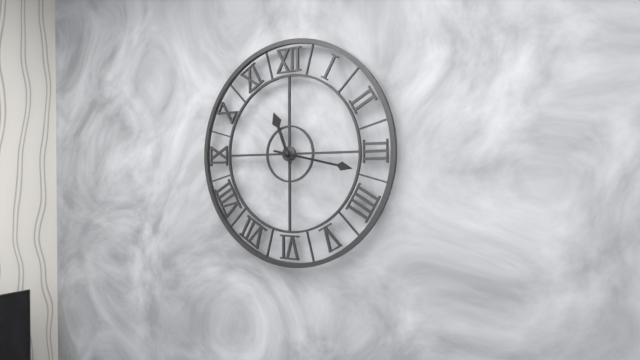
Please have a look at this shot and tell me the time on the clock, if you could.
11:17
